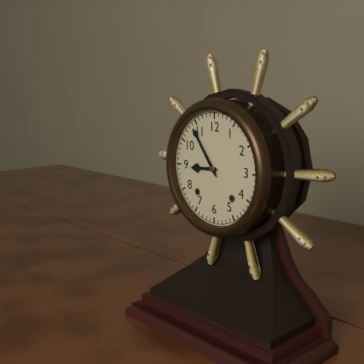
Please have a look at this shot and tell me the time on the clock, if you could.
8:54
